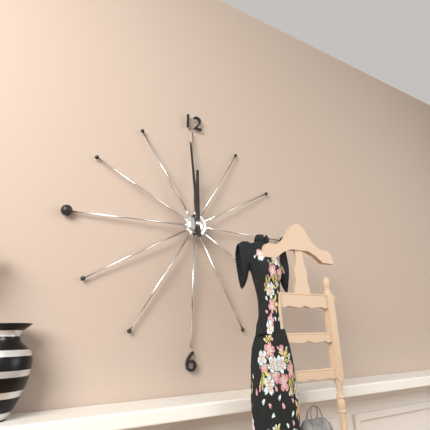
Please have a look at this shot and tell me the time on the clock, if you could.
11:59
